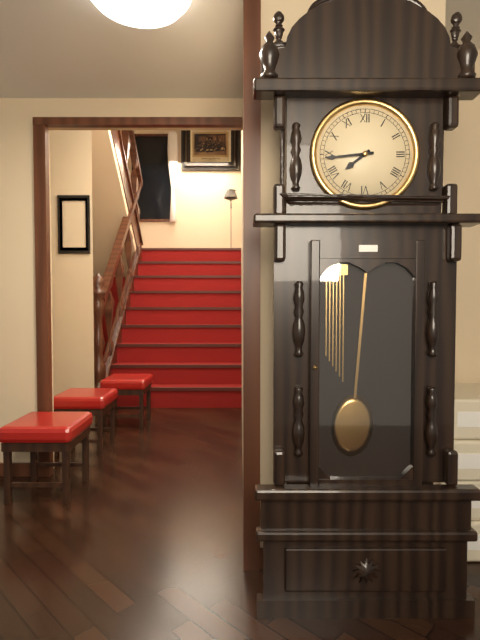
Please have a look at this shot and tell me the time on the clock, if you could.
7:44
